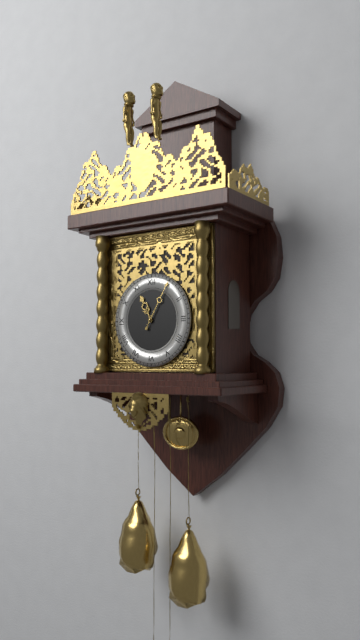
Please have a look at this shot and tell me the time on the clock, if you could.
11:05
